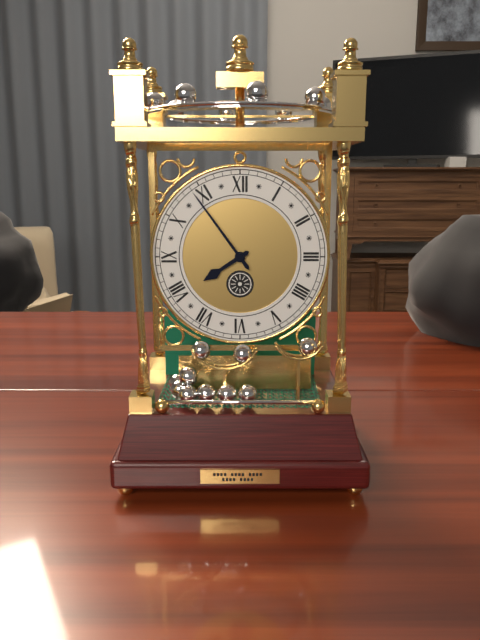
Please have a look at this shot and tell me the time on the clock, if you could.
7:54
